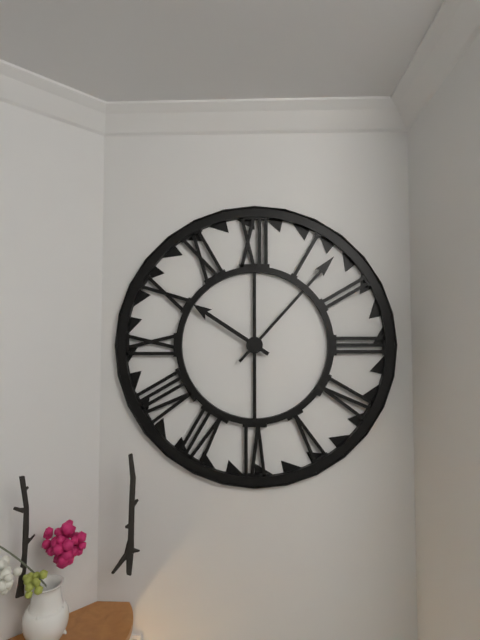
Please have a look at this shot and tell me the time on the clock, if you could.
10:07
